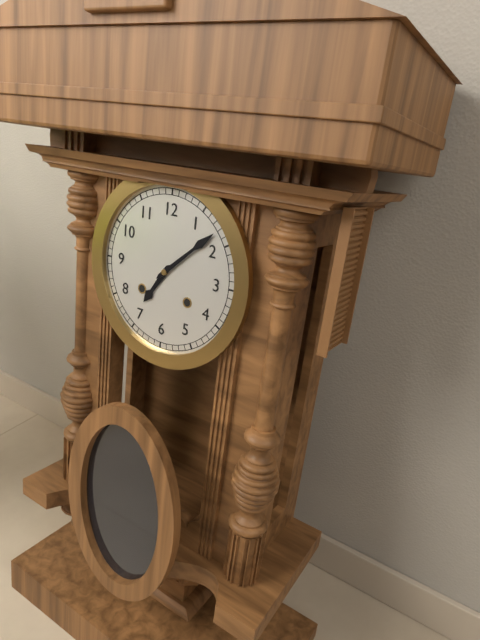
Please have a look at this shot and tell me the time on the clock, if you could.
7:08
